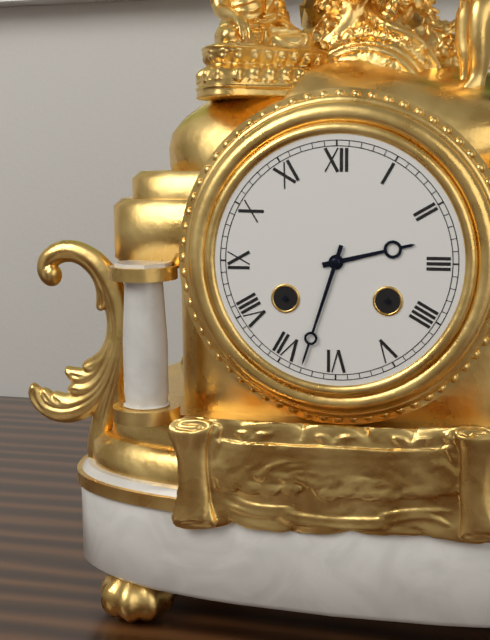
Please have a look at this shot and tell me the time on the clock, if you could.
2:33
